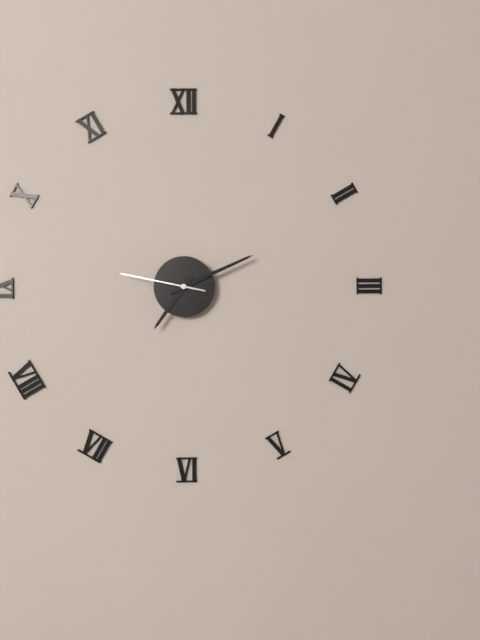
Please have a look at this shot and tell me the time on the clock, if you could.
7:11:47
